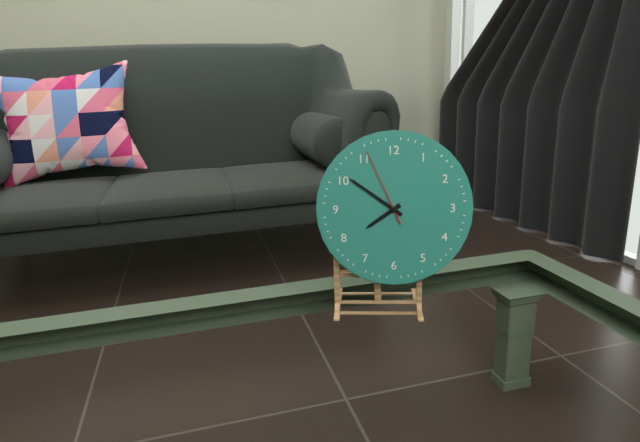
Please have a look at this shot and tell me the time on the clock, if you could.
7:51:56
